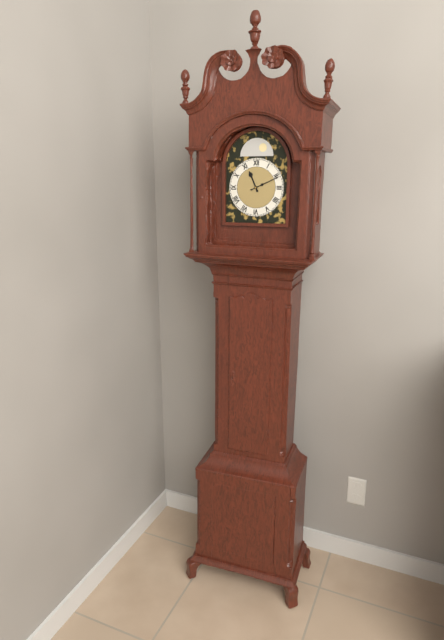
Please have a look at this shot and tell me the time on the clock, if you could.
11:11
